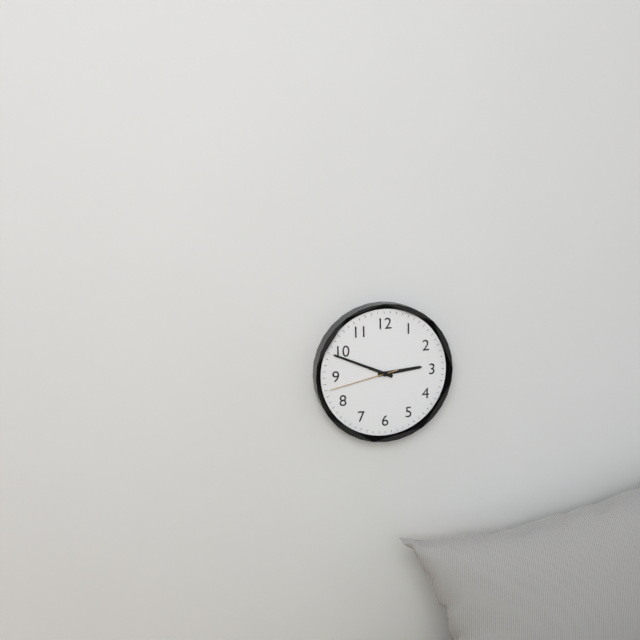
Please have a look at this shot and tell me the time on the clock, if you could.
2:49:43
